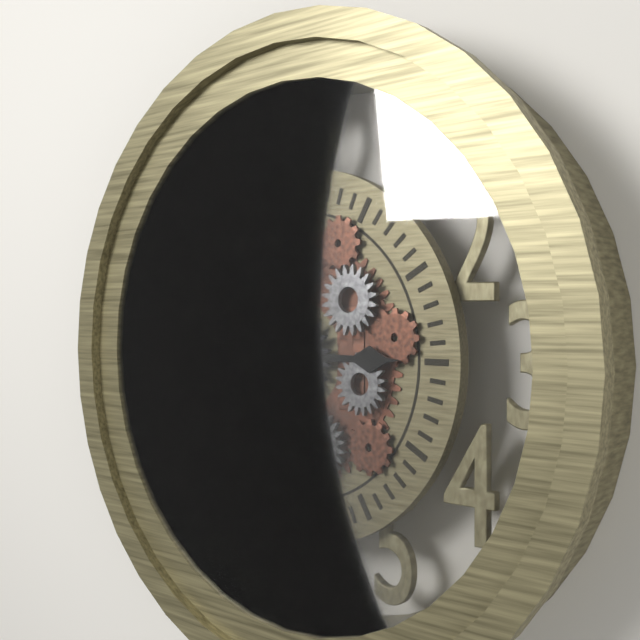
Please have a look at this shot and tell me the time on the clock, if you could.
2:59
